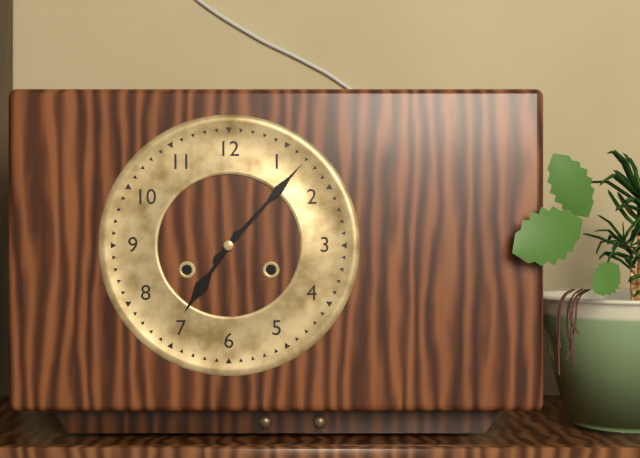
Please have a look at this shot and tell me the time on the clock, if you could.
7:07
